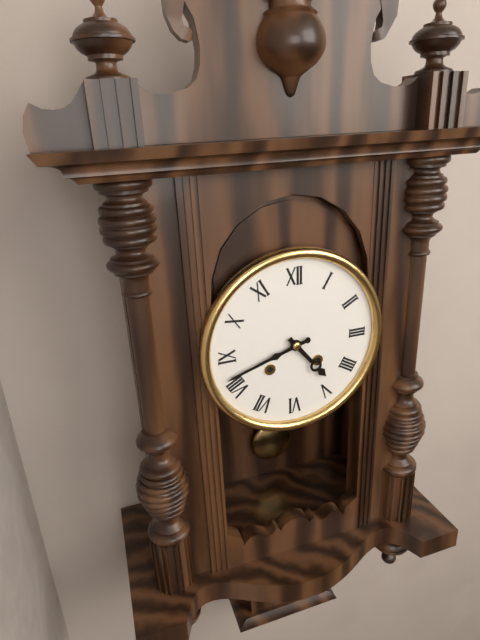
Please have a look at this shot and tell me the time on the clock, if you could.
4:42
